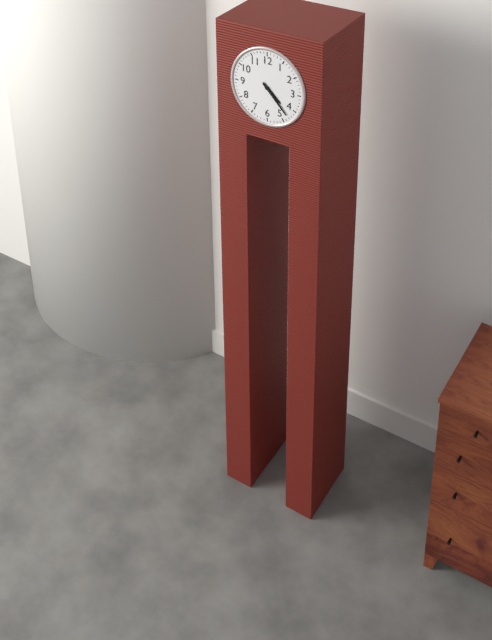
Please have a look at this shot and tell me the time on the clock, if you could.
4:23
